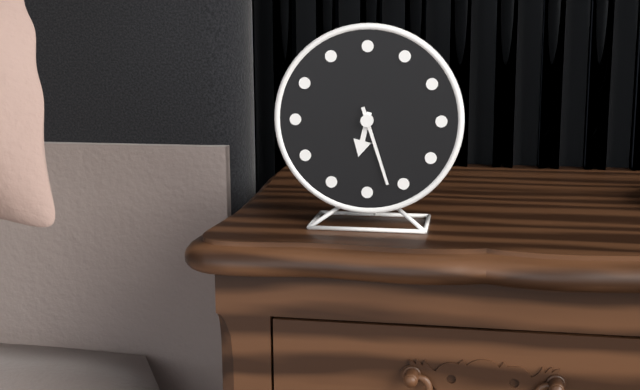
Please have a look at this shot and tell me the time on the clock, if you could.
6:27
